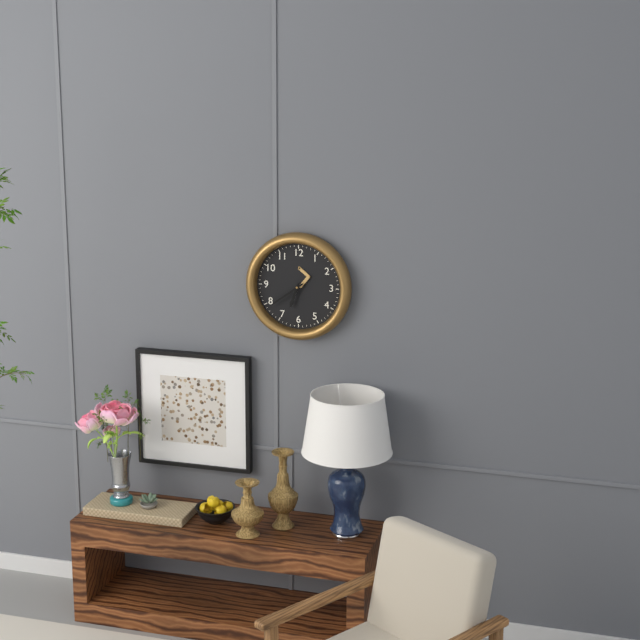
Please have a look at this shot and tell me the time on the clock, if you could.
6:39
